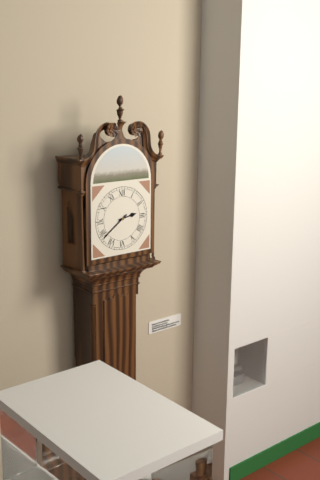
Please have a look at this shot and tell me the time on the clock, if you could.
2:39
